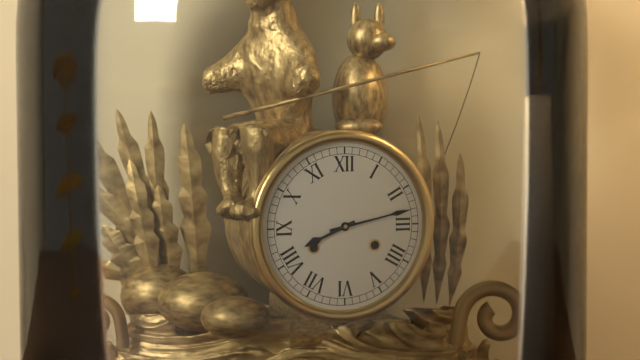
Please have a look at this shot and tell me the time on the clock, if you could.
8:13
